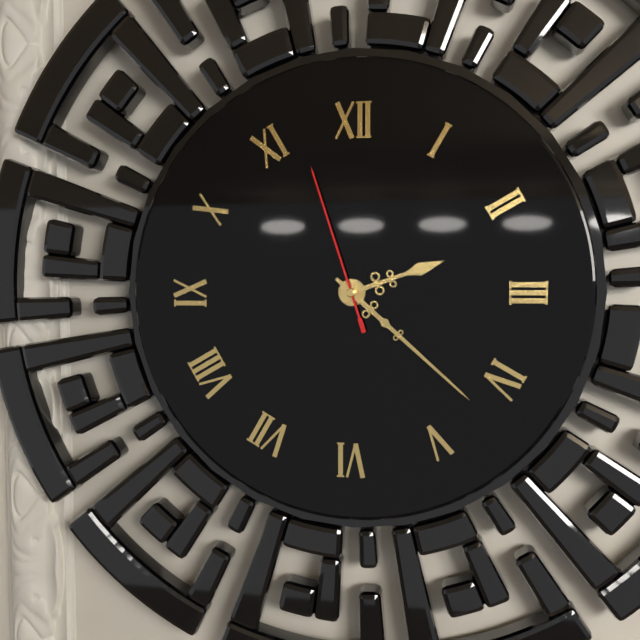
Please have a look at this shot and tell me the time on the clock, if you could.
2:22:57
